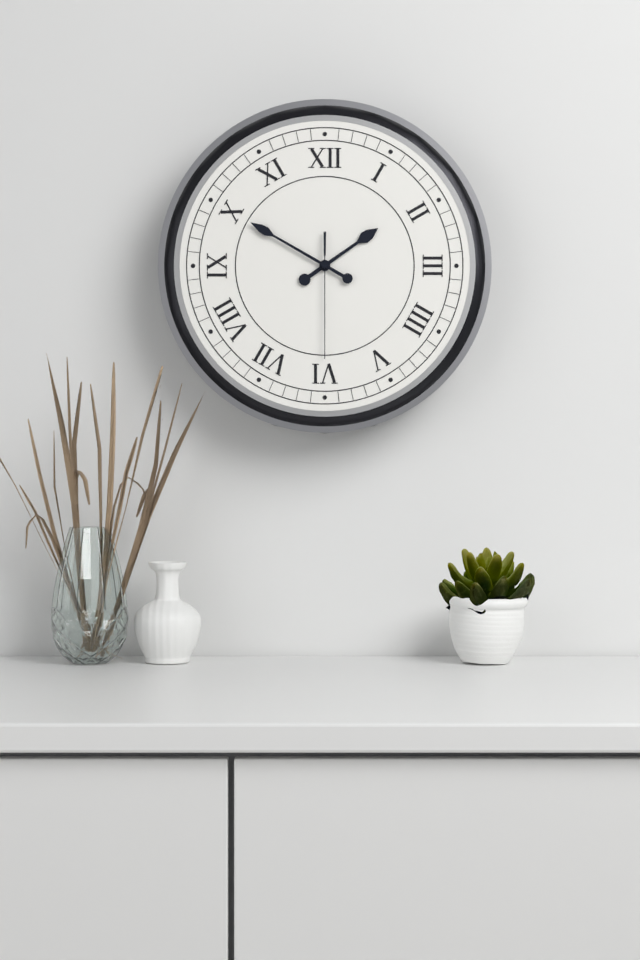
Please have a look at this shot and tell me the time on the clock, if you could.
1:50:30
